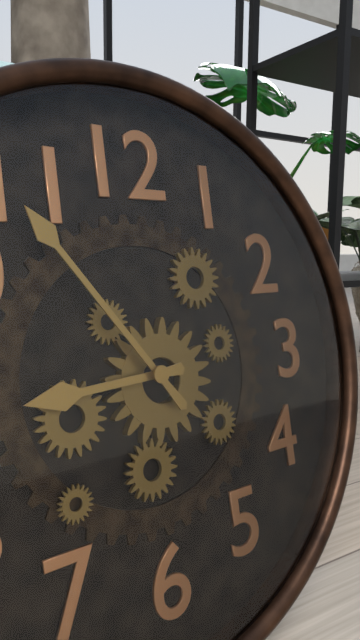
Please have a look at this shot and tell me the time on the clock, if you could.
8:54
